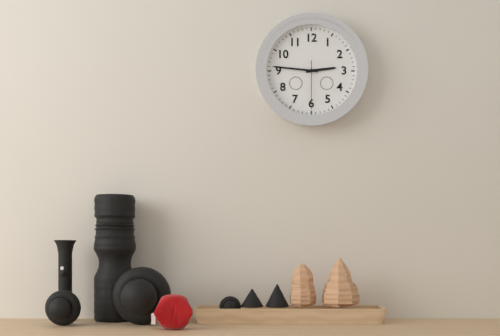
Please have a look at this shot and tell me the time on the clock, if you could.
2:46:30
